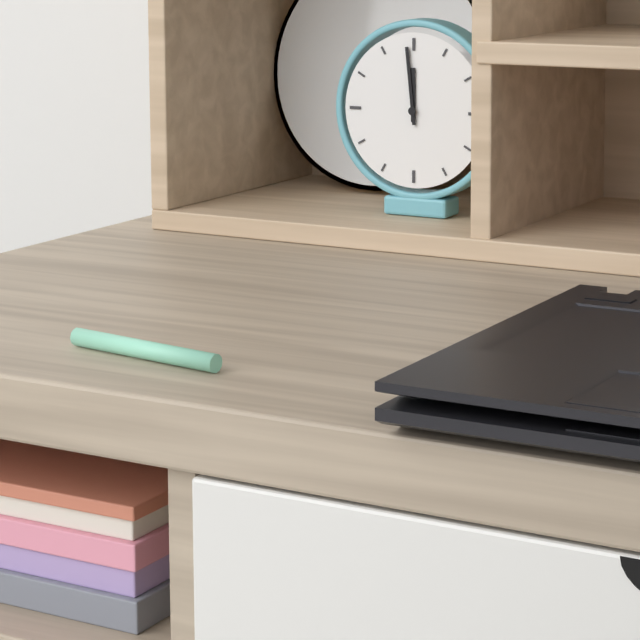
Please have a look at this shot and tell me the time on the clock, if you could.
11:59
